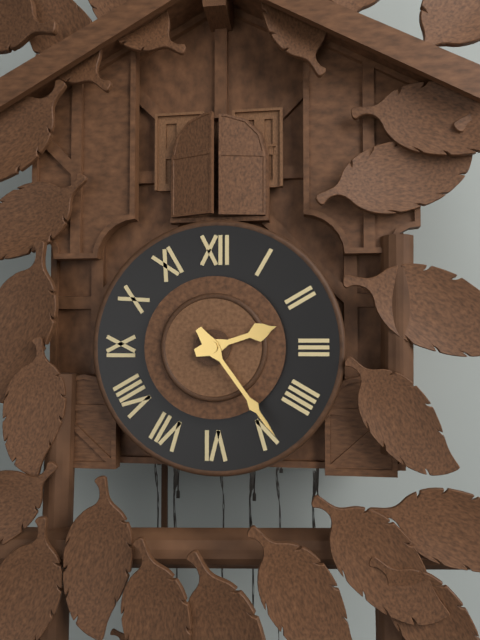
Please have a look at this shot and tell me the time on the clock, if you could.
2:24
